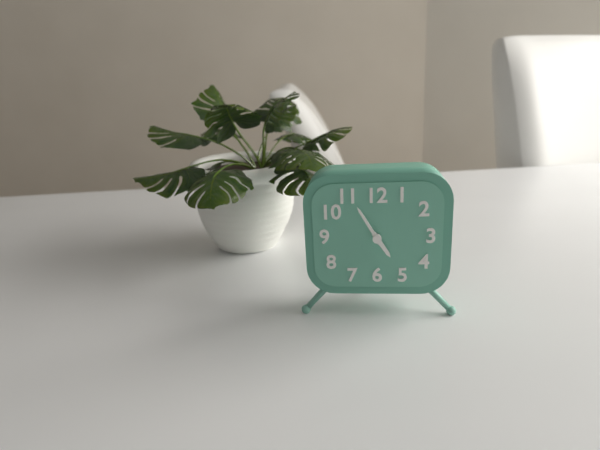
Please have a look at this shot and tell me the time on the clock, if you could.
4:55
